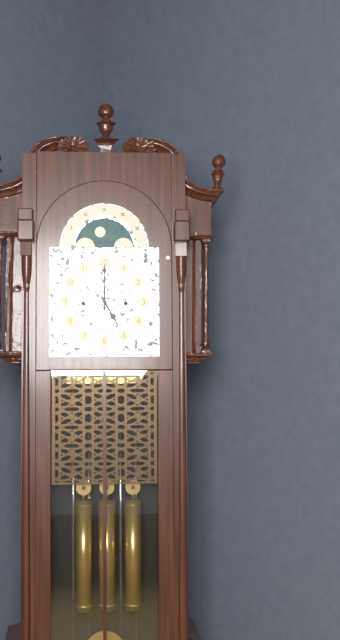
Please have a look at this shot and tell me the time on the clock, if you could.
5:00
